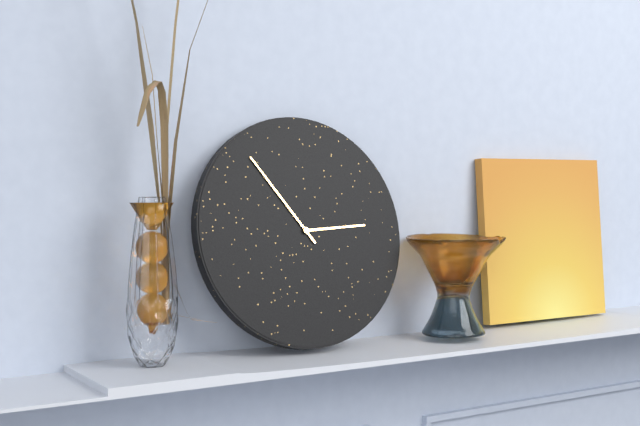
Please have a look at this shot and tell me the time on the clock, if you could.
2:54
